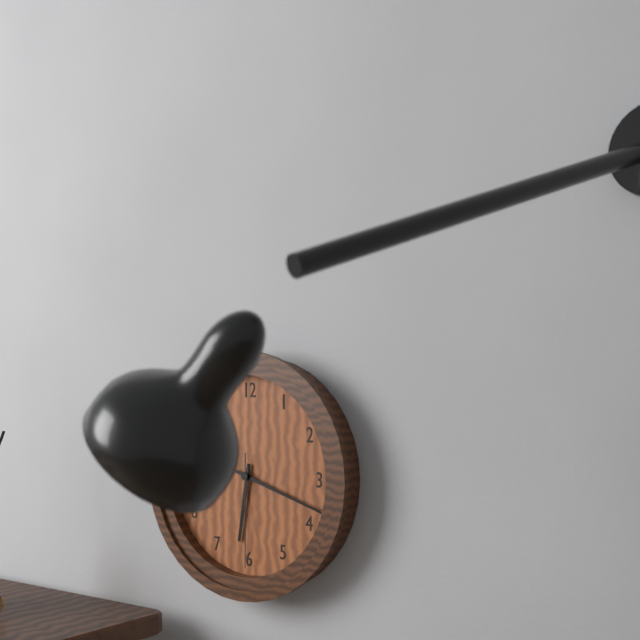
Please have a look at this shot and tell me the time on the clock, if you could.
6:18:30
